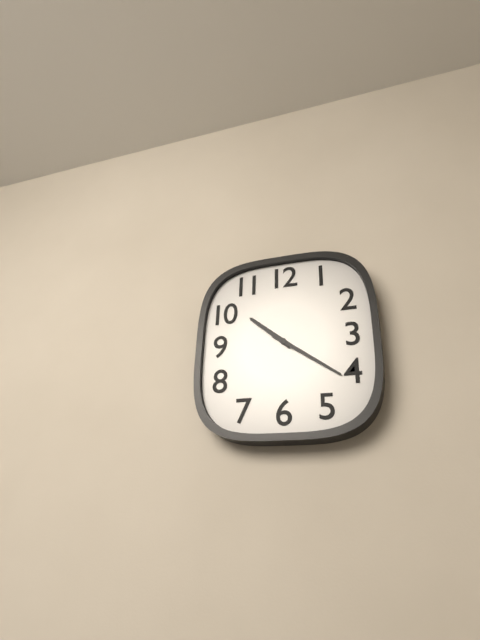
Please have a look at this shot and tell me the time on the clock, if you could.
10:21
